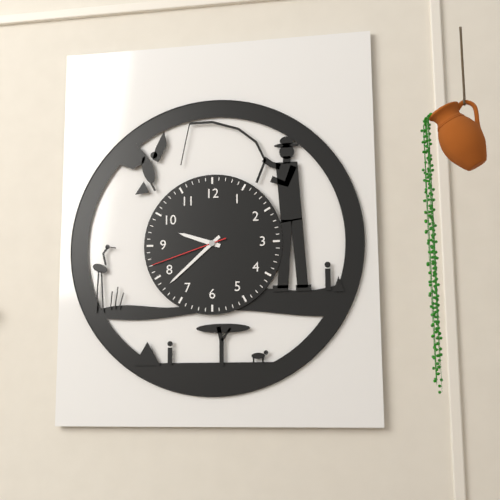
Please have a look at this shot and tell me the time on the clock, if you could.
9:38:42
